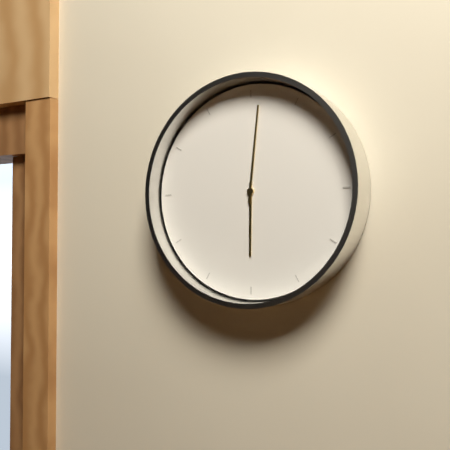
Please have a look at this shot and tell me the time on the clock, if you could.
6:01
